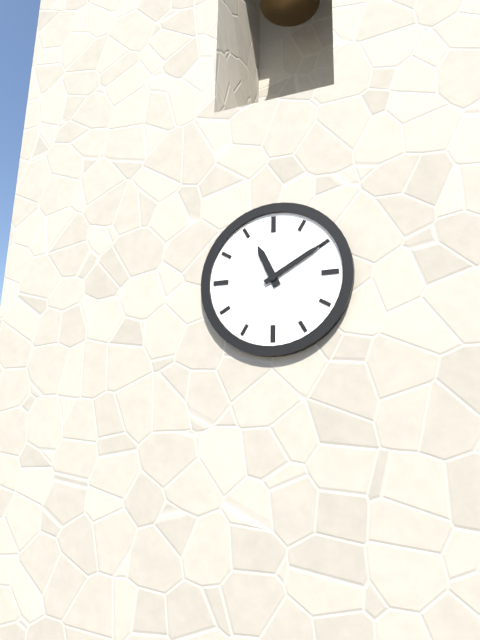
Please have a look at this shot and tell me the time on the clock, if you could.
11:10
